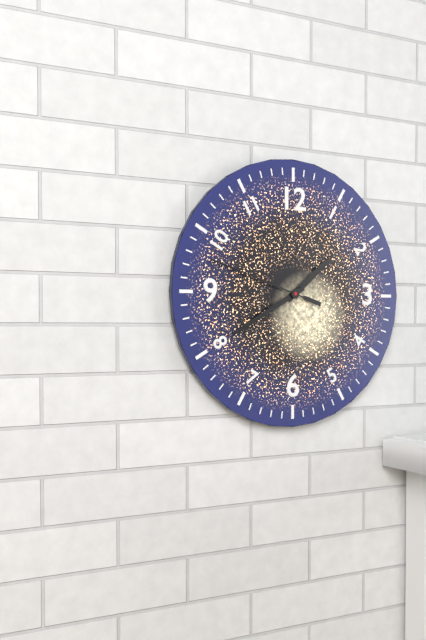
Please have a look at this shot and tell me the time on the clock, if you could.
1:40:48
